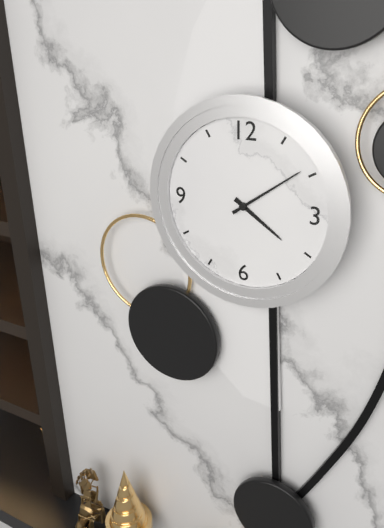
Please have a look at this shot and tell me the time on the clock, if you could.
4:09
